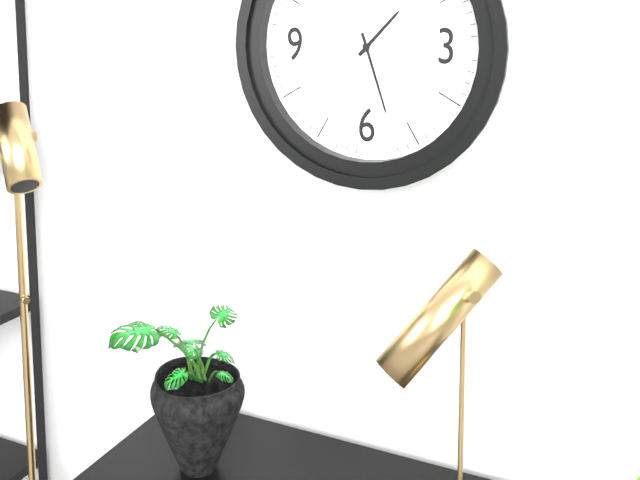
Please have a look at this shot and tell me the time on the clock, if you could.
1:27
